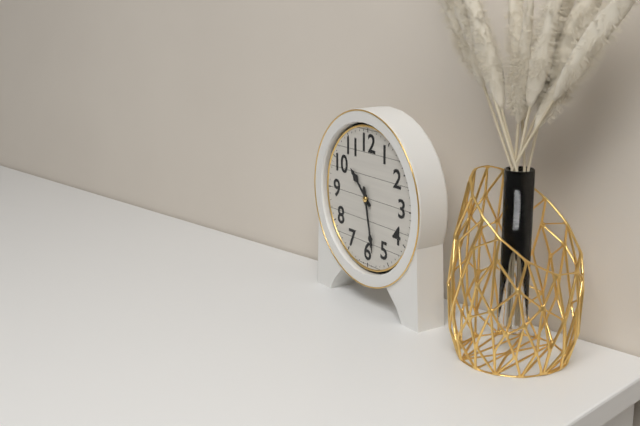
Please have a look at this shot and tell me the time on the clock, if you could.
10:28
